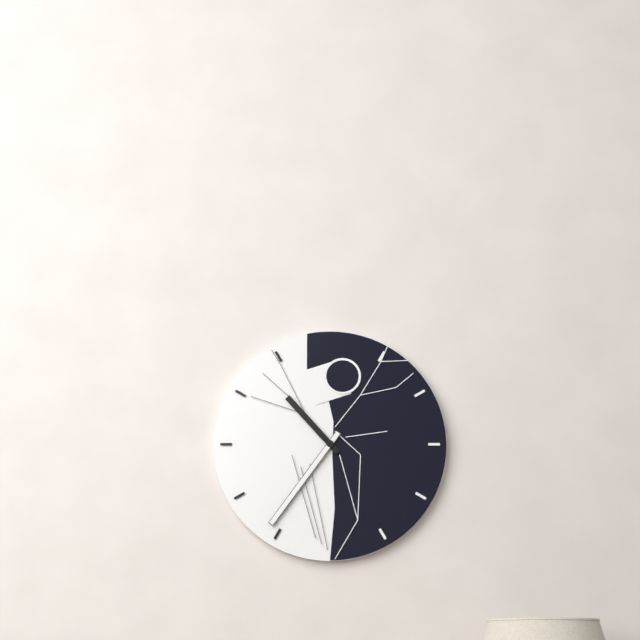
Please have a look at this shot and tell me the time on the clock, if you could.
10:36
